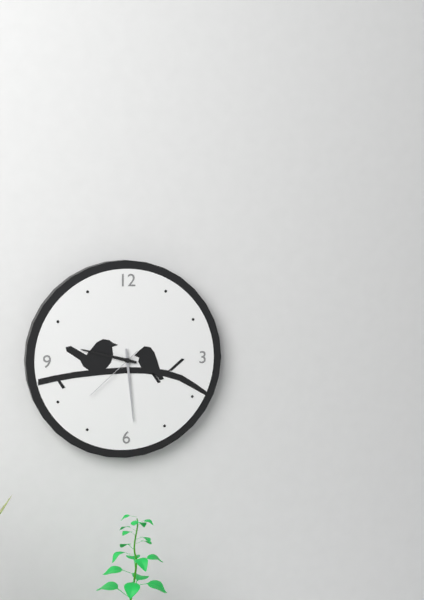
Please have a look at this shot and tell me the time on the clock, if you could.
9:29:38
